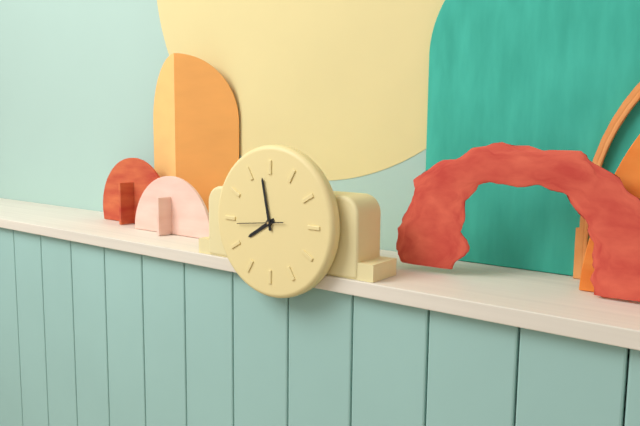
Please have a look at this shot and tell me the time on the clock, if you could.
7:58
